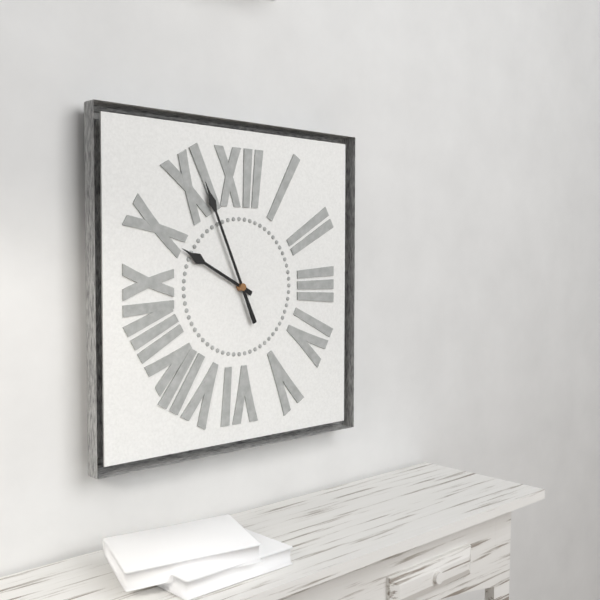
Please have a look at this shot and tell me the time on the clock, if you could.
9:56
